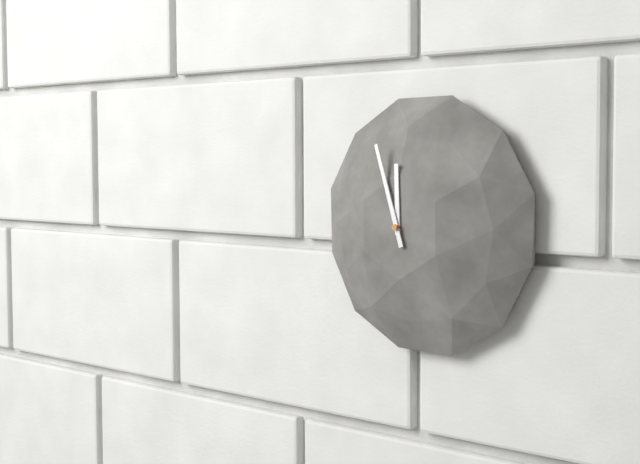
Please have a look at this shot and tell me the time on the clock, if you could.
11:57
